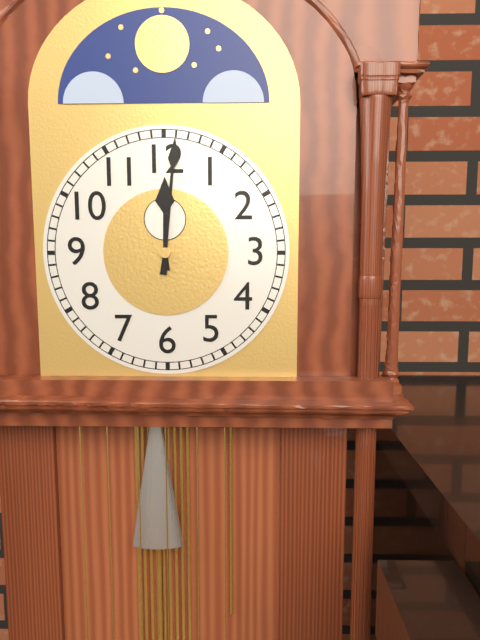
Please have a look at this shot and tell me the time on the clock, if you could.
12:01
